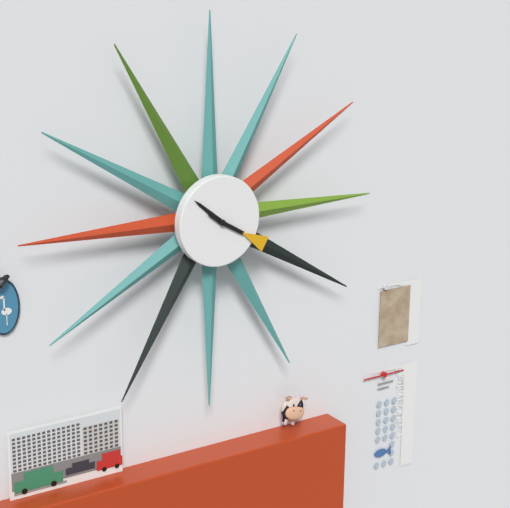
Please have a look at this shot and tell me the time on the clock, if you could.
10:20
